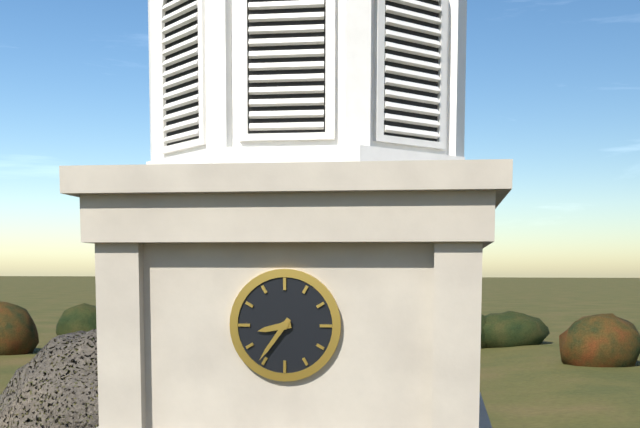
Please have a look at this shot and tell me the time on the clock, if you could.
8:36
